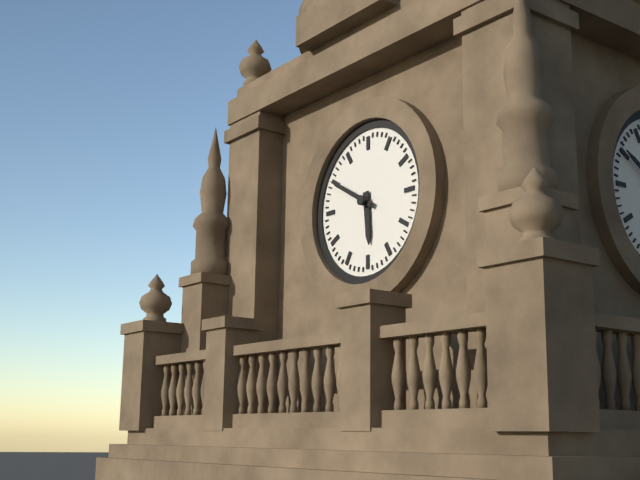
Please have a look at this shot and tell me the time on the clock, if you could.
5:50
